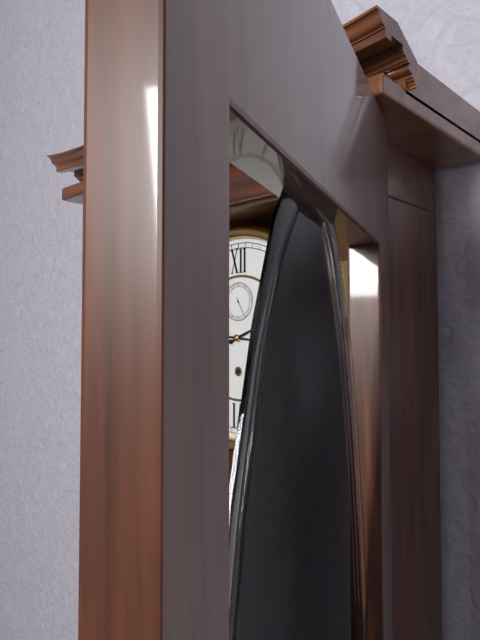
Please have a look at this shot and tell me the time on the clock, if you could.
2:16
